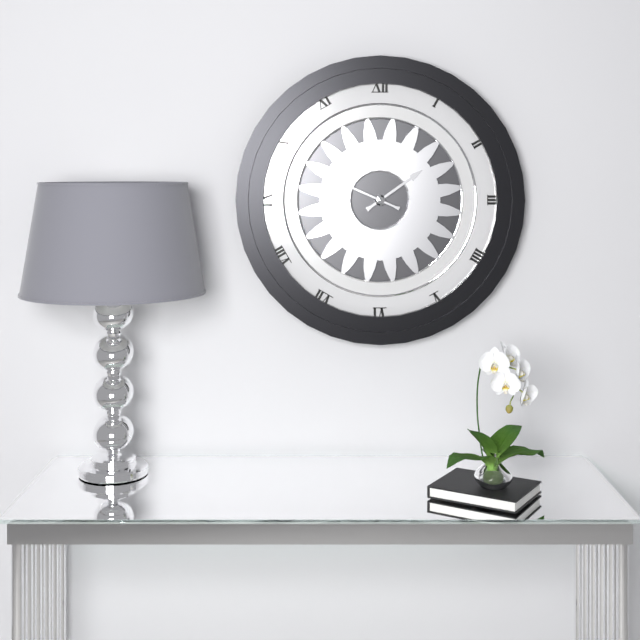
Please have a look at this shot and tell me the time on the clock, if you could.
1:49
